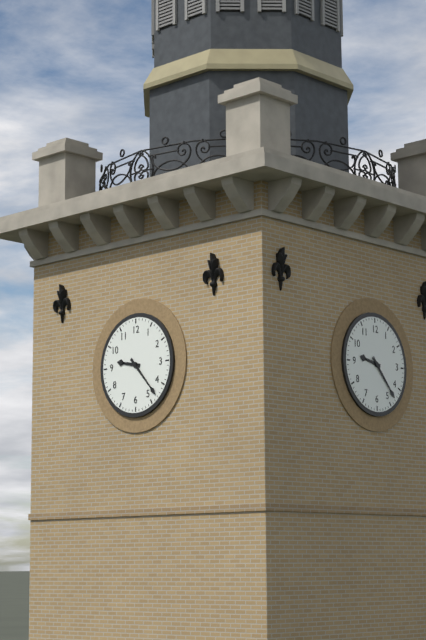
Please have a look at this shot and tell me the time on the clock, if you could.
9:23
